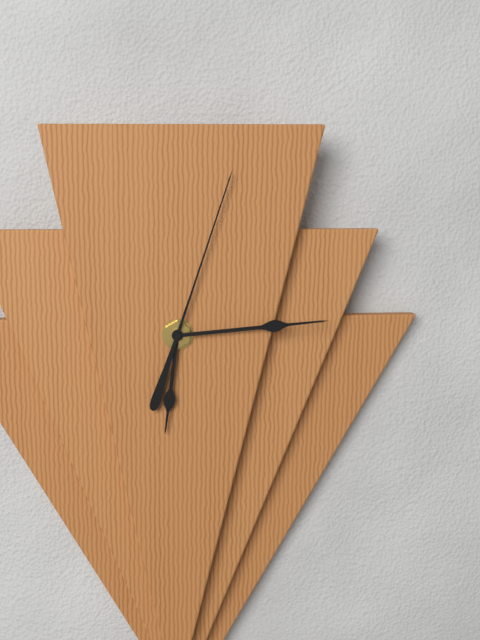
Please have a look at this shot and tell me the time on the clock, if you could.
6:14:03
